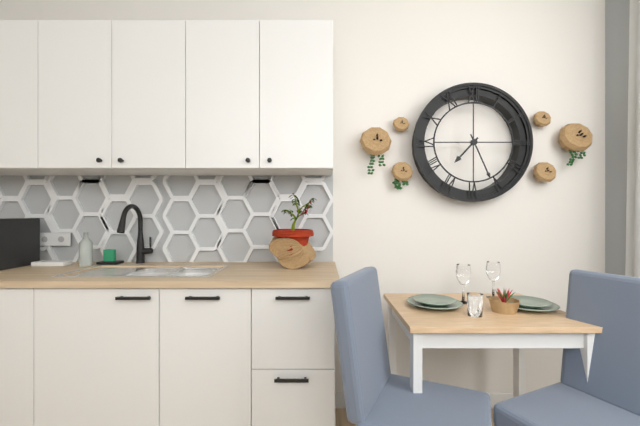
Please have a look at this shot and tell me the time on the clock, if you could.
7:26
